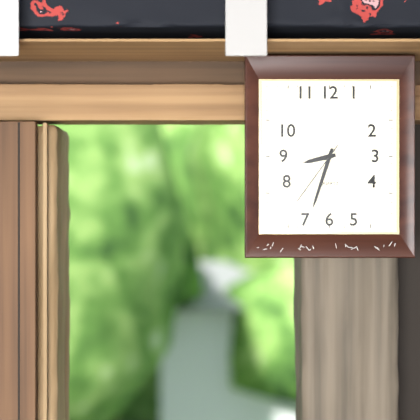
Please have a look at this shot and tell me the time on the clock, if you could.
8:33:36
